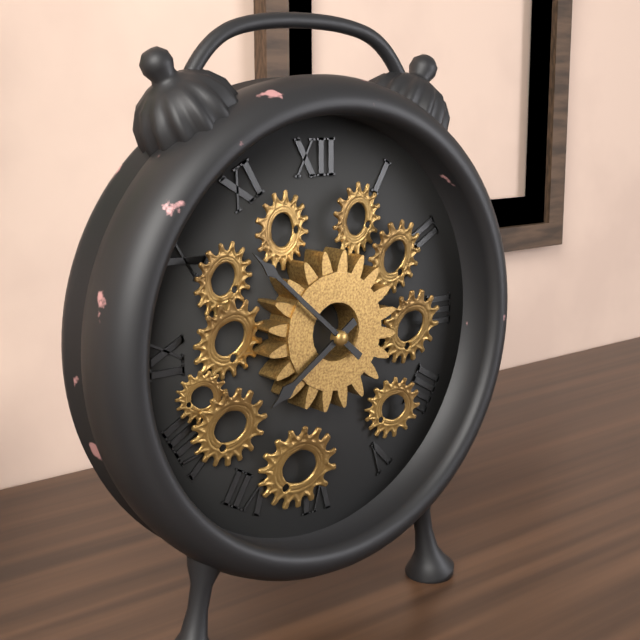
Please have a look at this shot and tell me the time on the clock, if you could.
7:52
